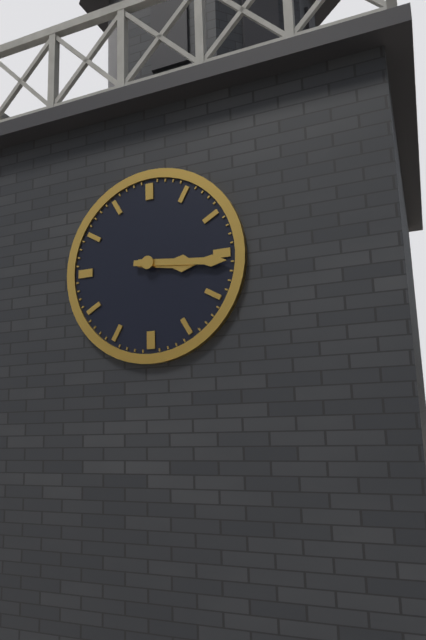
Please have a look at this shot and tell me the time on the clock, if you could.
3:16
